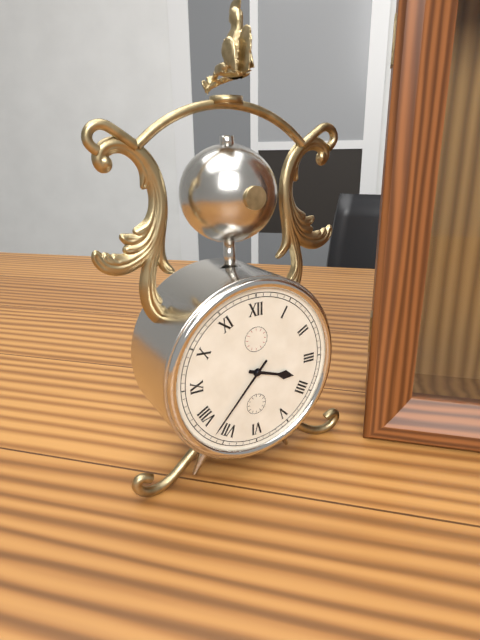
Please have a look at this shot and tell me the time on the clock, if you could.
3:37
